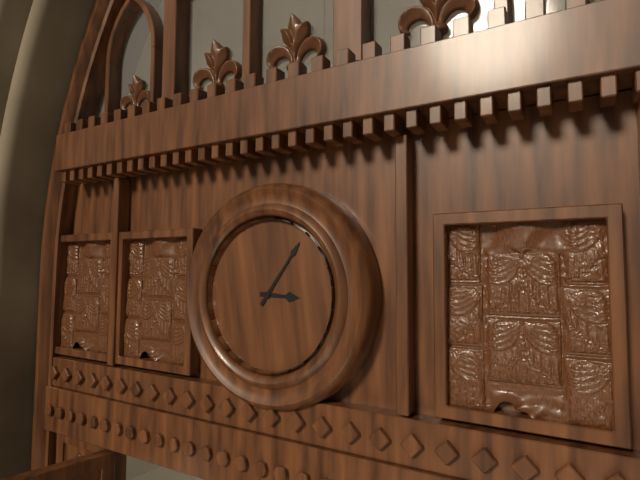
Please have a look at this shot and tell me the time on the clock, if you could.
3:06
